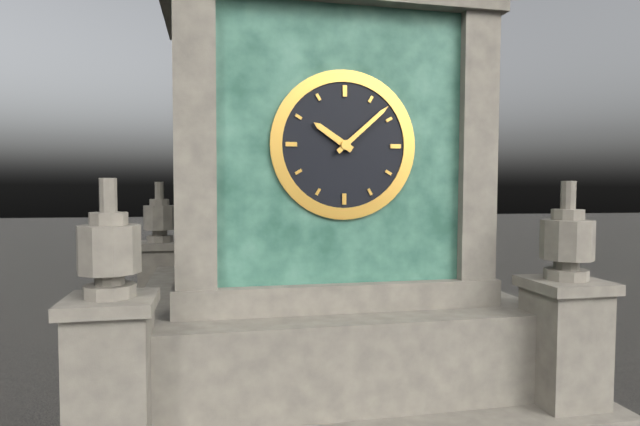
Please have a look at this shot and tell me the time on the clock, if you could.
10:08
